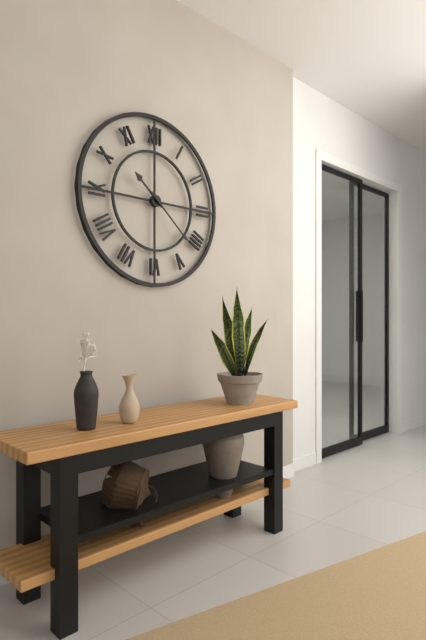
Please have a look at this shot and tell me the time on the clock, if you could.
10:22
